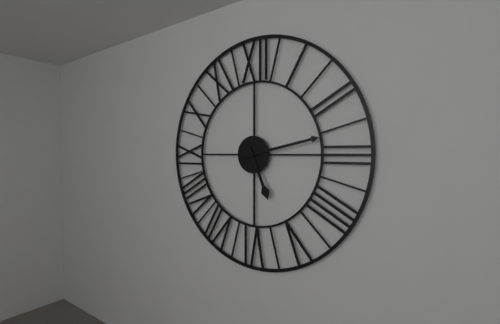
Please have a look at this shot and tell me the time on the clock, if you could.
5:13
